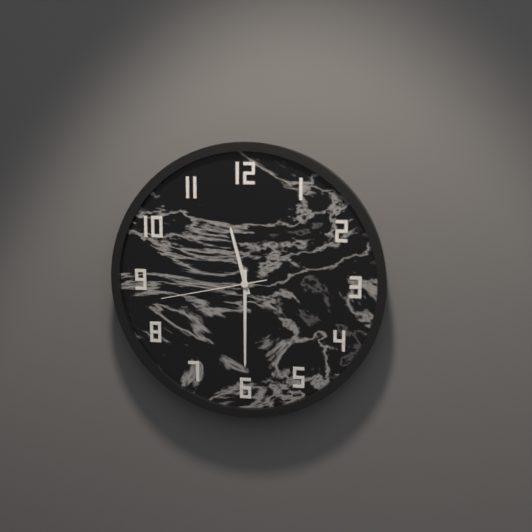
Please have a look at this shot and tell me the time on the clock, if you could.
11:30:43
